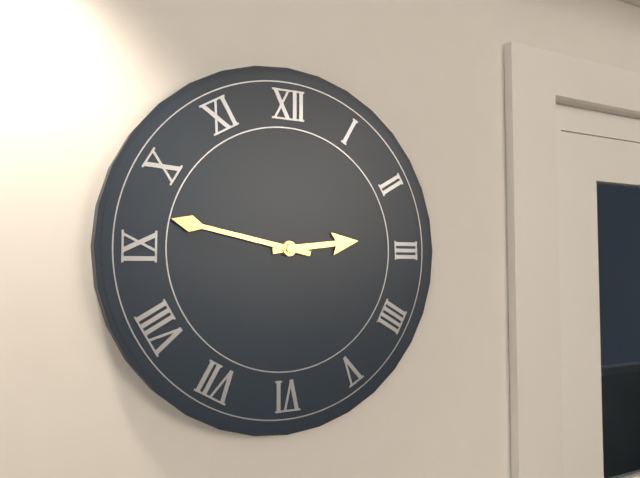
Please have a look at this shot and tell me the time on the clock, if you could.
2:47
